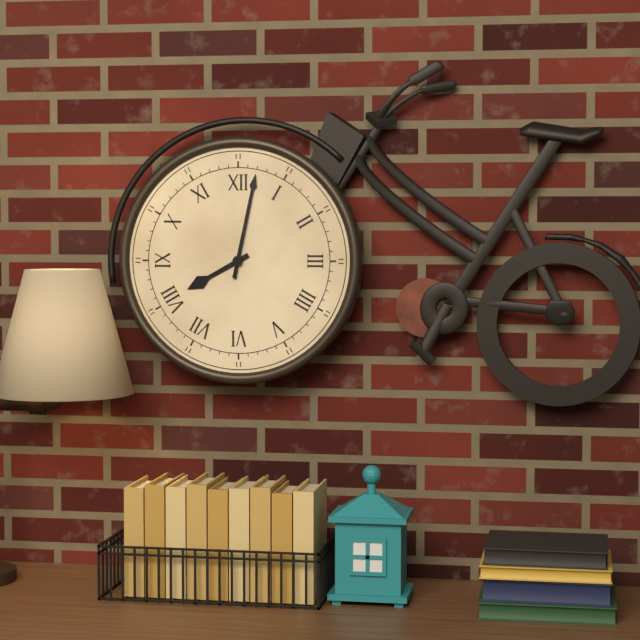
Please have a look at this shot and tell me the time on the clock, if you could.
8:02
